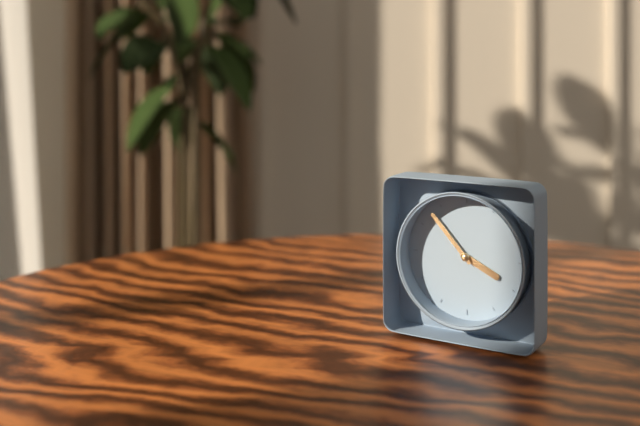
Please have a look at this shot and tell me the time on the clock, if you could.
3:53
